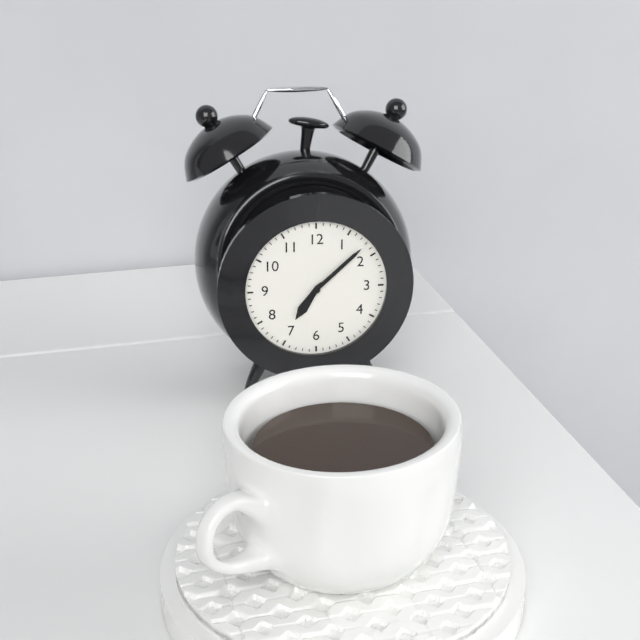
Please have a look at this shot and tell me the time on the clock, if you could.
7:08
